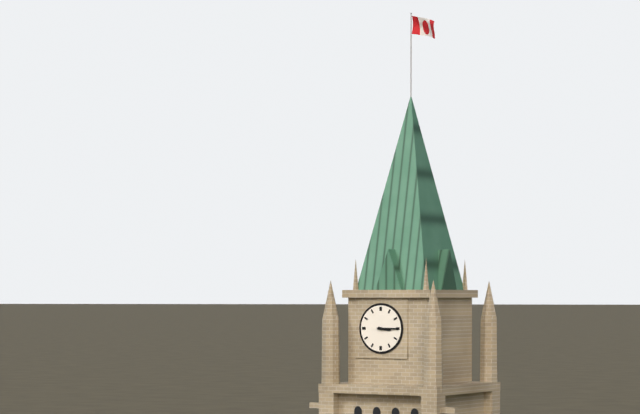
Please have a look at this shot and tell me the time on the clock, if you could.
3:15
